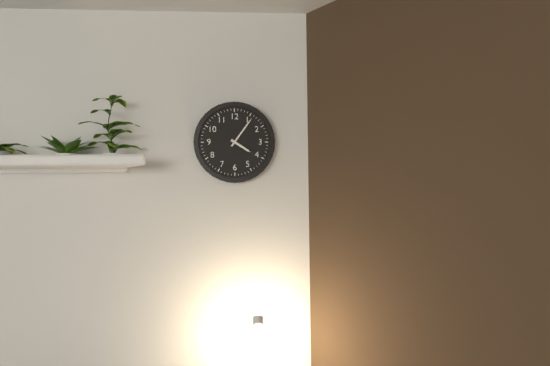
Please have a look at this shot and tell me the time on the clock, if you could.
4:06
